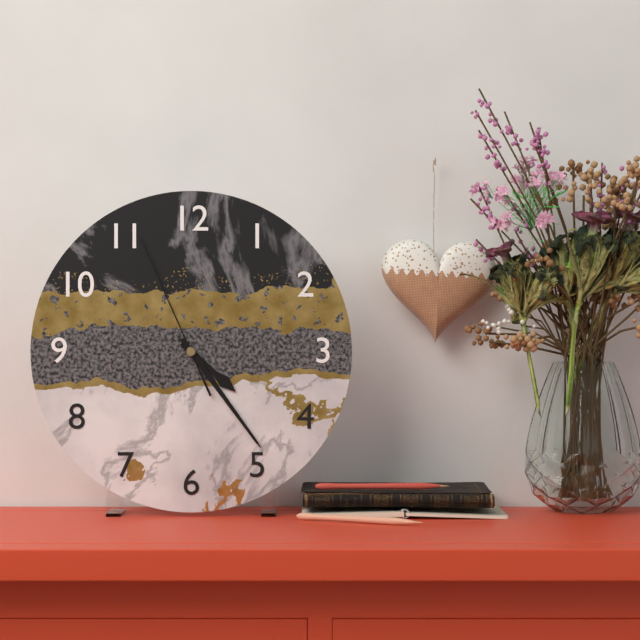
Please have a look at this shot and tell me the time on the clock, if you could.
4:24:56
